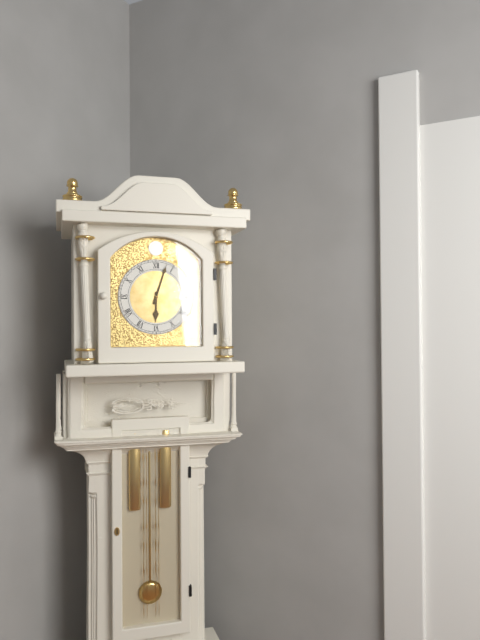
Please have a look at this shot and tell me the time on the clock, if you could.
6:03
